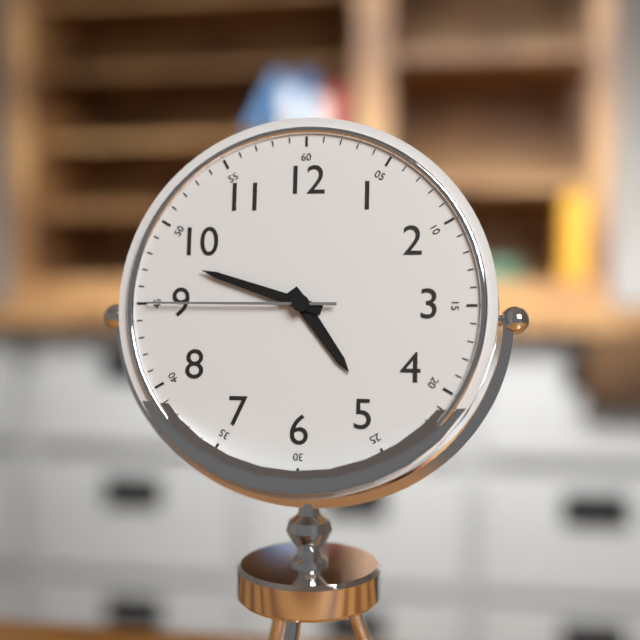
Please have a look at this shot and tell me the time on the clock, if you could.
4:48:45
